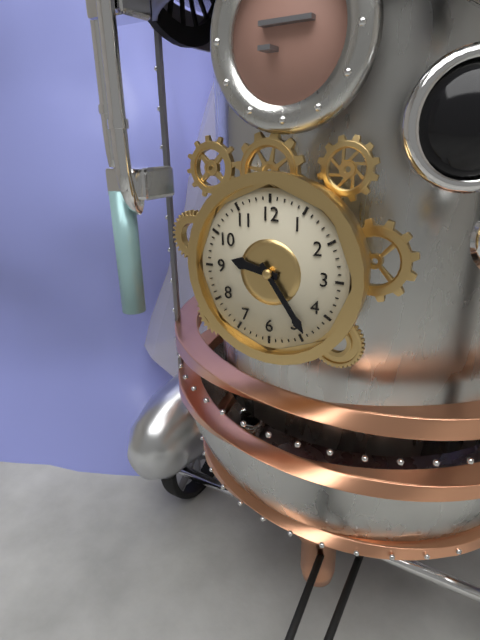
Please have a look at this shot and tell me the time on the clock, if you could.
9:24
